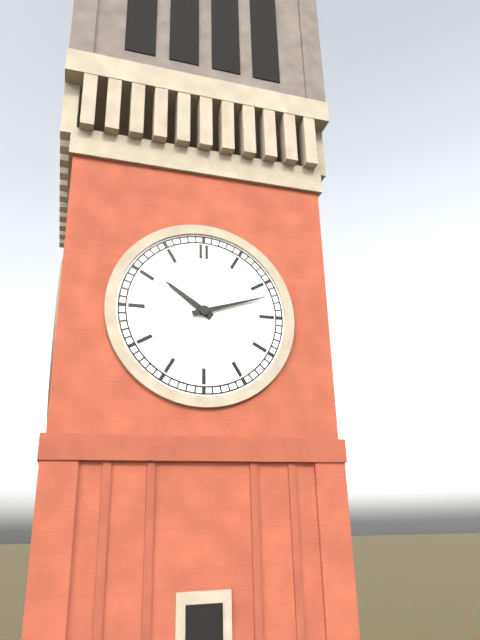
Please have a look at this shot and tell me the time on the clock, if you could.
10:12
